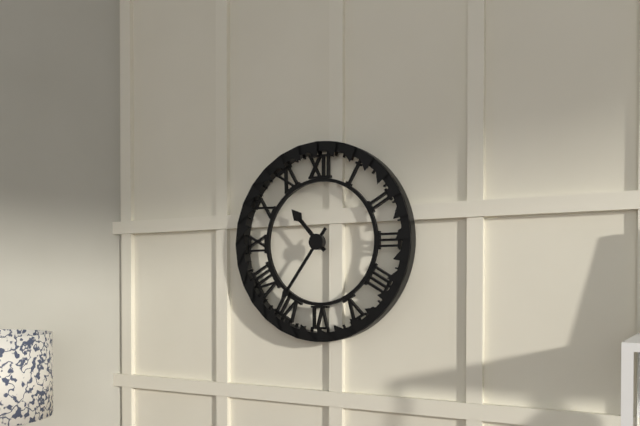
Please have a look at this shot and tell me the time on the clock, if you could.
10:36
